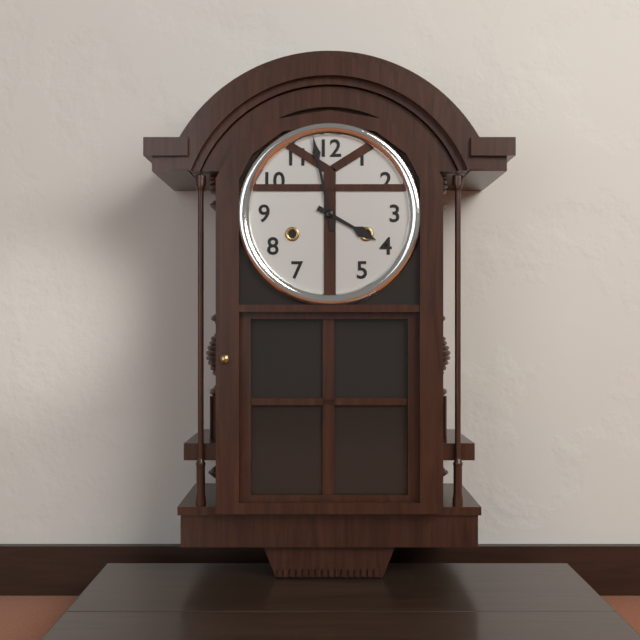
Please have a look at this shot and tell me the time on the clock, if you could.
3:58
